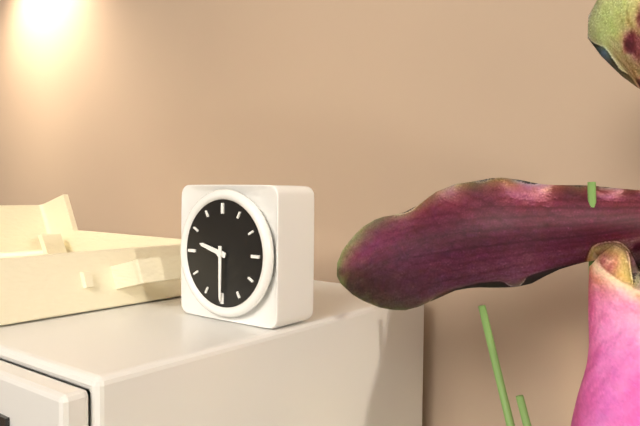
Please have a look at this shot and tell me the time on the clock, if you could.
9:30
